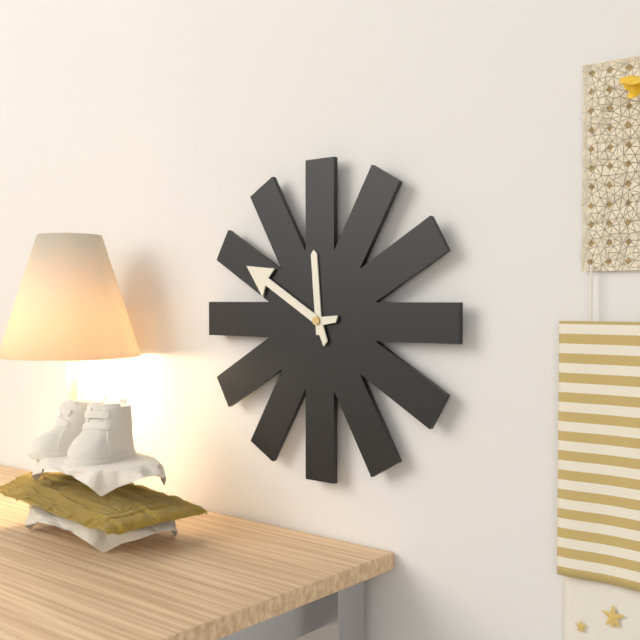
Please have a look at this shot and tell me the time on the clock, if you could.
11:50
